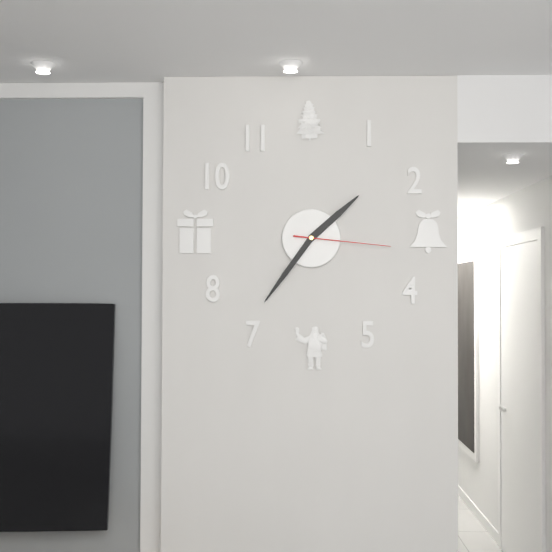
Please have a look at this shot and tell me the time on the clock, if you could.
1:36:16
